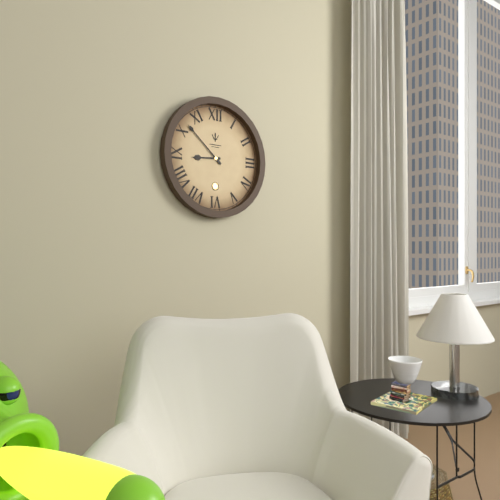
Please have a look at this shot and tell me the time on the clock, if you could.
8:52
